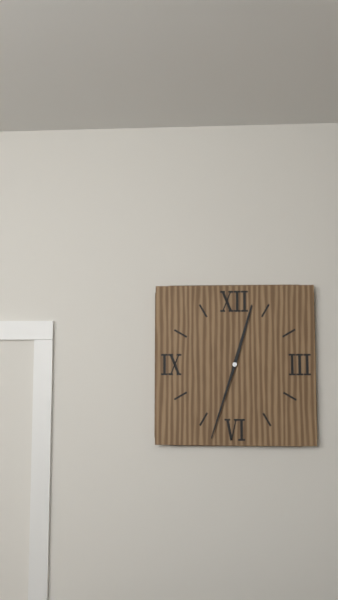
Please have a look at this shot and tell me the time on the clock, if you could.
12:33
